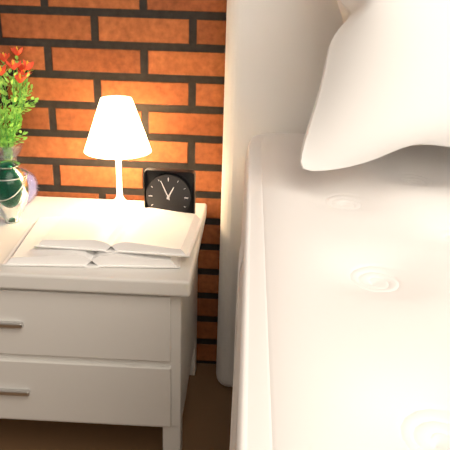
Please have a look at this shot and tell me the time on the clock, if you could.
12:56
